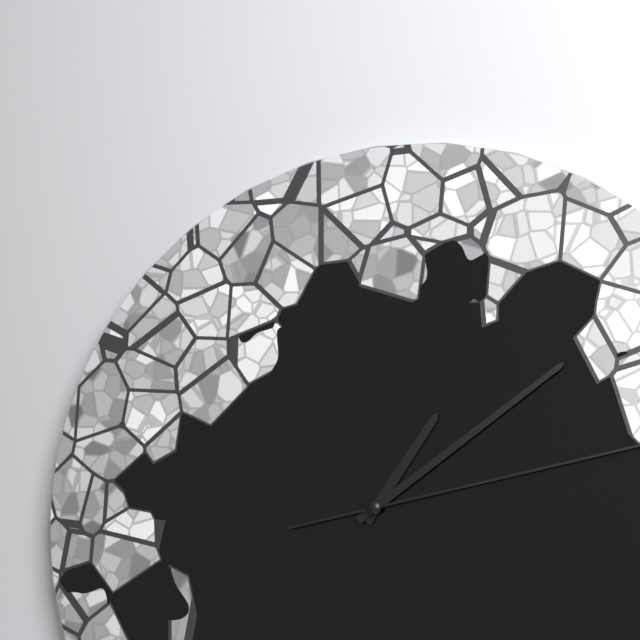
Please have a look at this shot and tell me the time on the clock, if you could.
1:09
